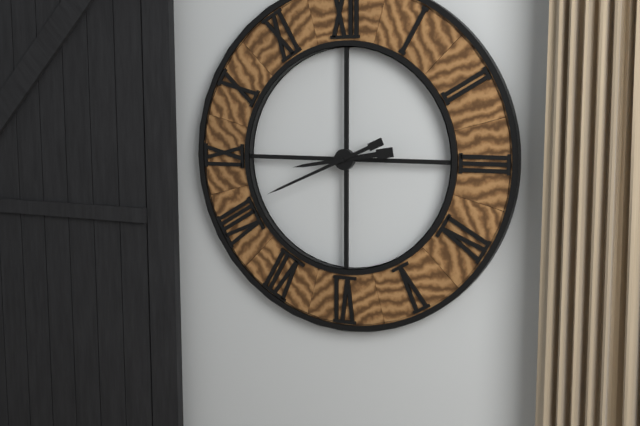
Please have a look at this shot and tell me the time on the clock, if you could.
8:41
